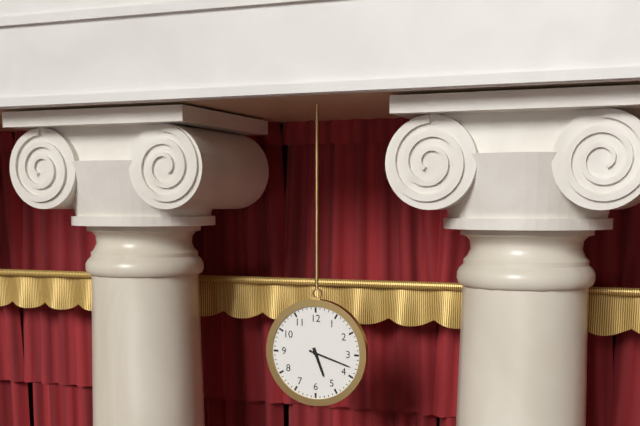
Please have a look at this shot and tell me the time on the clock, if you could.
5:18
